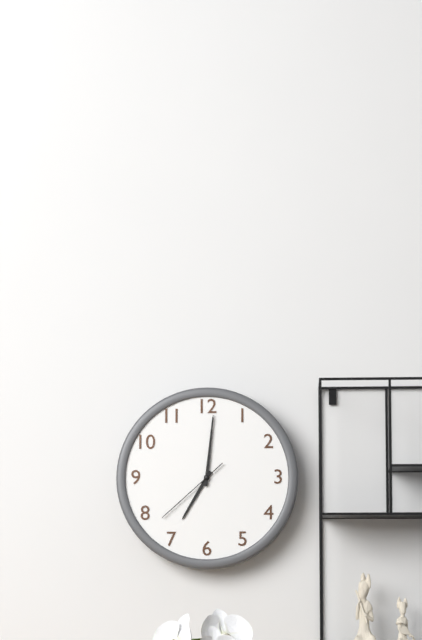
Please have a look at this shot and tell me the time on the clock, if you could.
7:01:38
